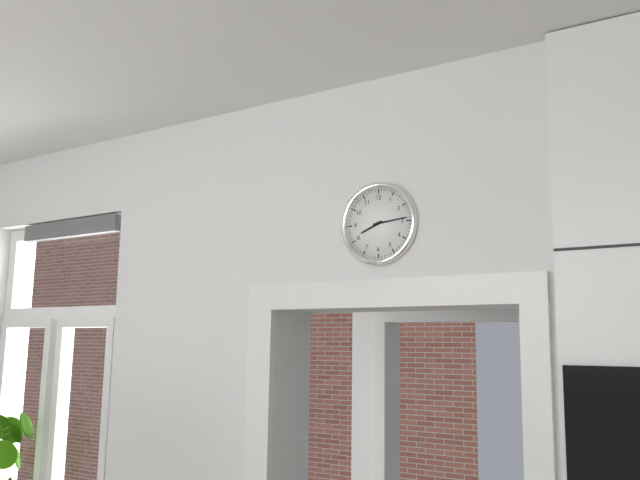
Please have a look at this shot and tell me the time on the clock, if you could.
8:14
